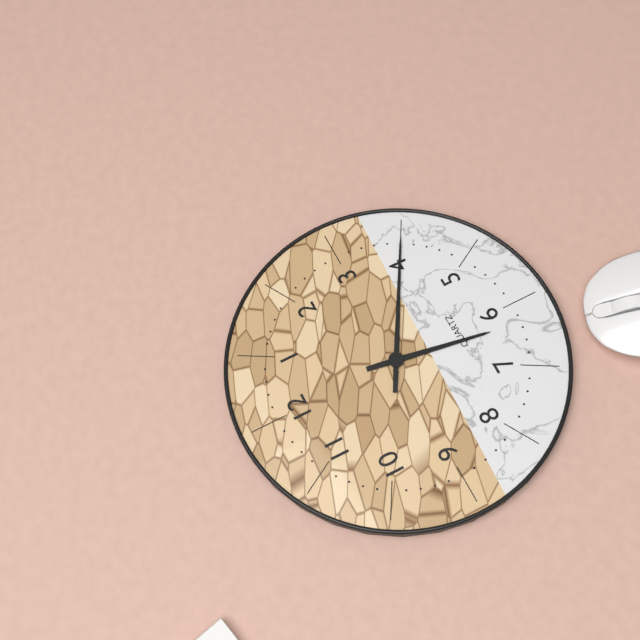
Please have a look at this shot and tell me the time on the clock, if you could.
6:20
